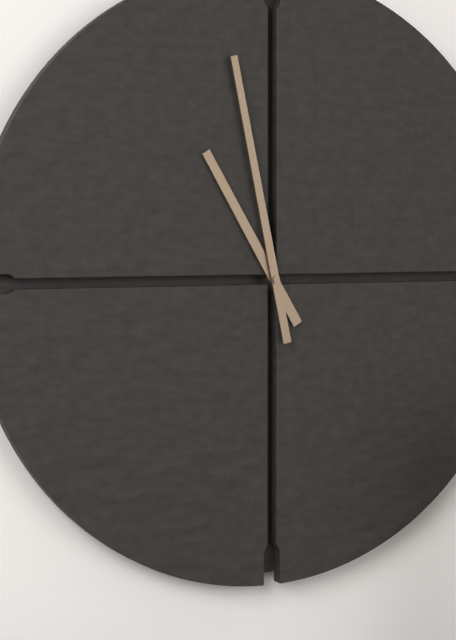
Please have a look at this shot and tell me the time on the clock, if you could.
10:58
